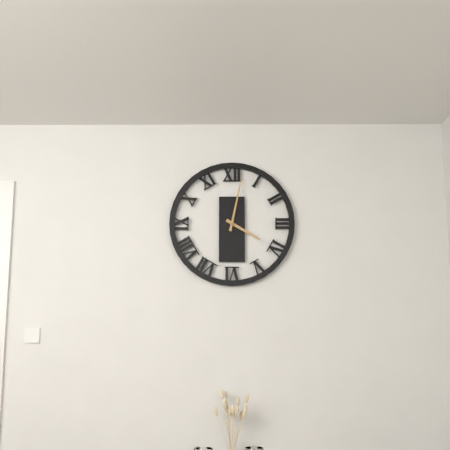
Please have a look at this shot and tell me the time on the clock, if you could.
4:02
